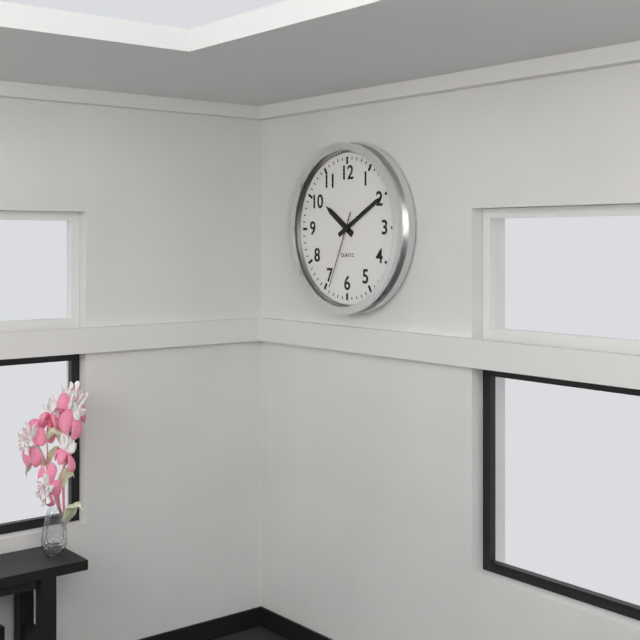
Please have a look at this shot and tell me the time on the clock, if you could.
10:10:34
